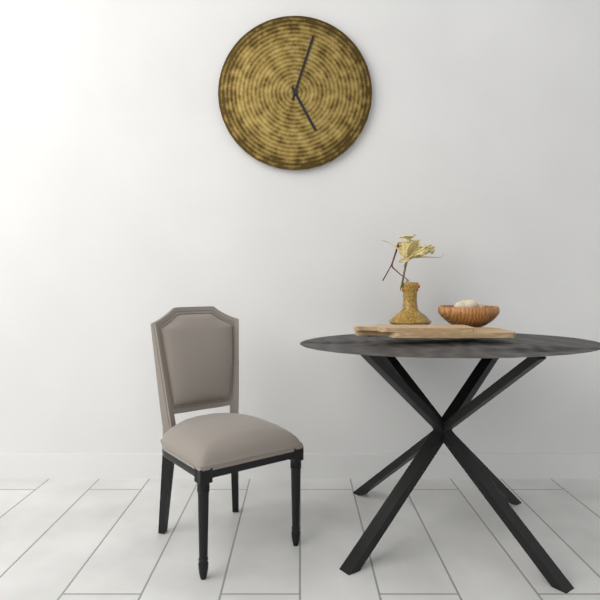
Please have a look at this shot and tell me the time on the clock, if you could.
5:03
